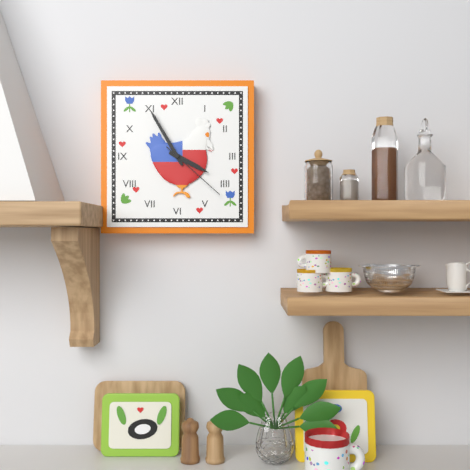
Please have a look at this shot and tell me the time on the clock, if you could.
3:55:22
